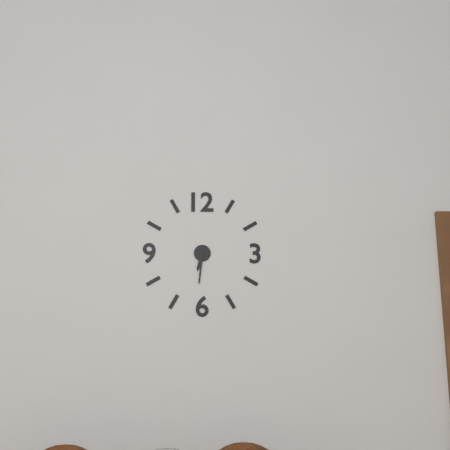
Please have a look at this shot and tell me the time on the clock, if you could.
6:31
